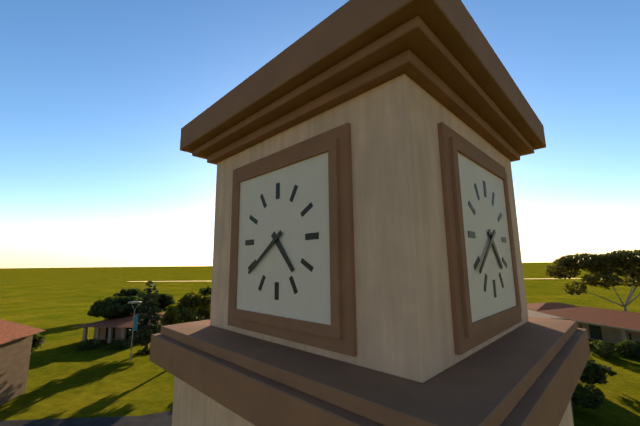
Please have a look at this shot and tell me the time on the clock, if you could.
4:39
